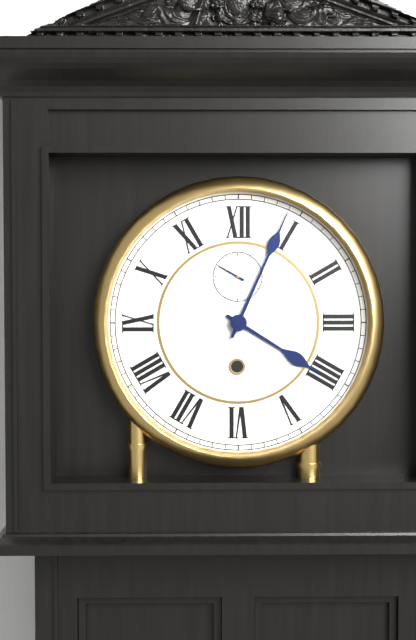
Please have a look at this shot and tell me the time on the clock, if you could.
4:04
